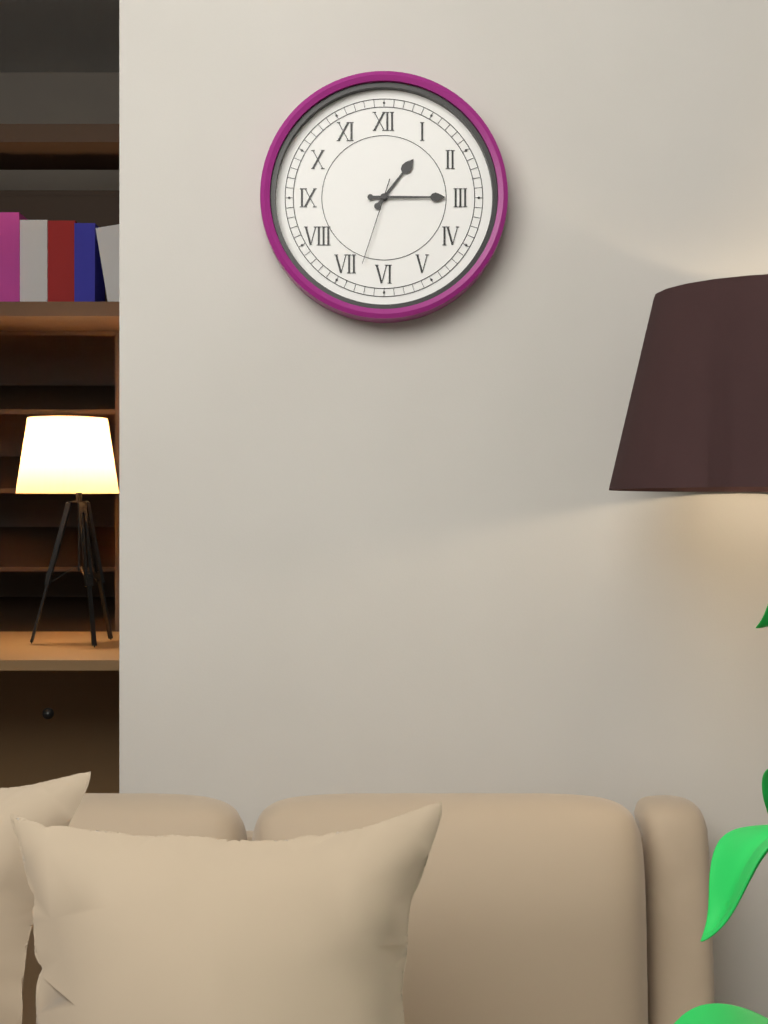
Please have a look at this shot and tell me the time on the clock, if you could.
1:15:33
